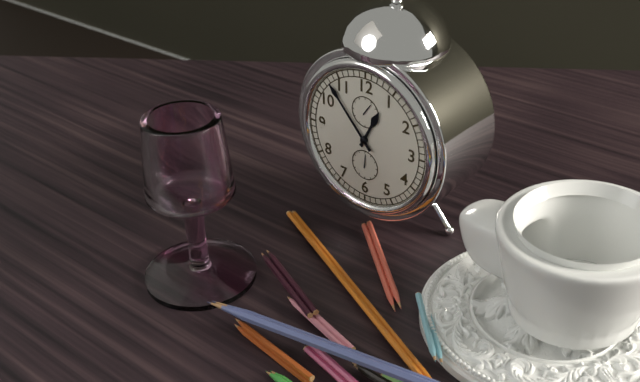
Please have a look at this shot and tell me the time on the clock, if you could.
12:53
